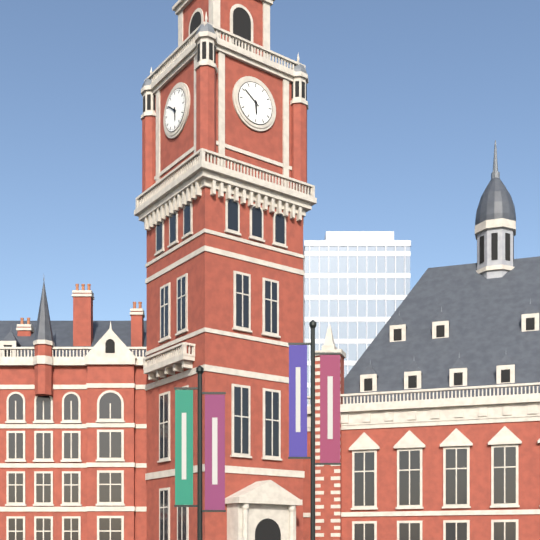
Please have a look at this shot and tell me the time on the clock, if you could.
5:51
